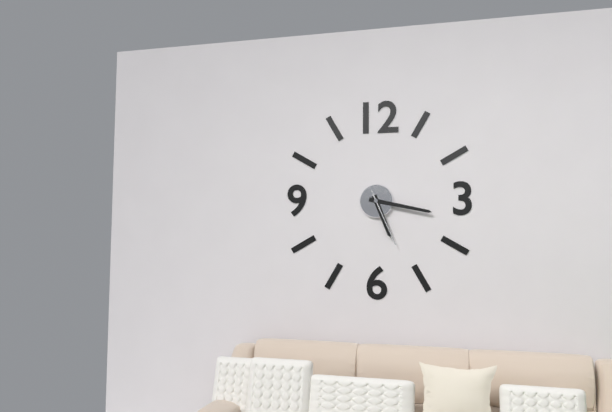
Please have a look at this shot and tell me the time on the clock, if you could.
5:17:26
